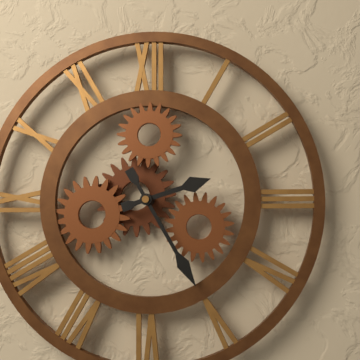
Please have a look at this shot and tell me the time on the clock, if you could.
2:25
